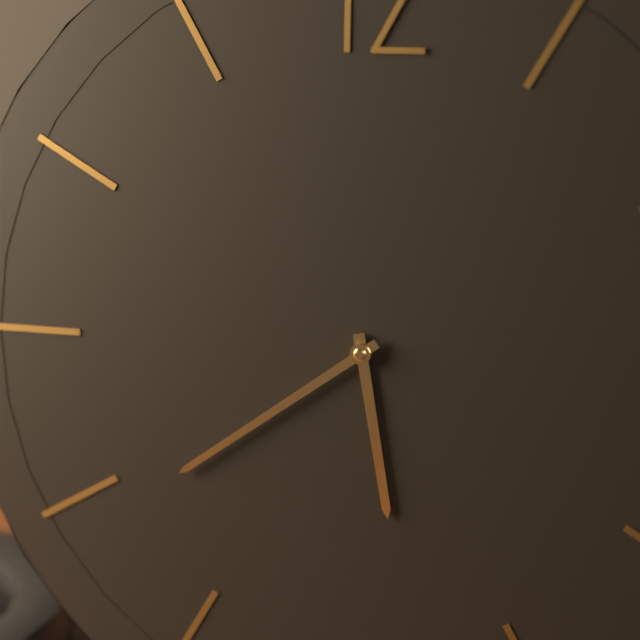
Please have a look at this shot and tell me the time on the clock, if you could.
5:39
